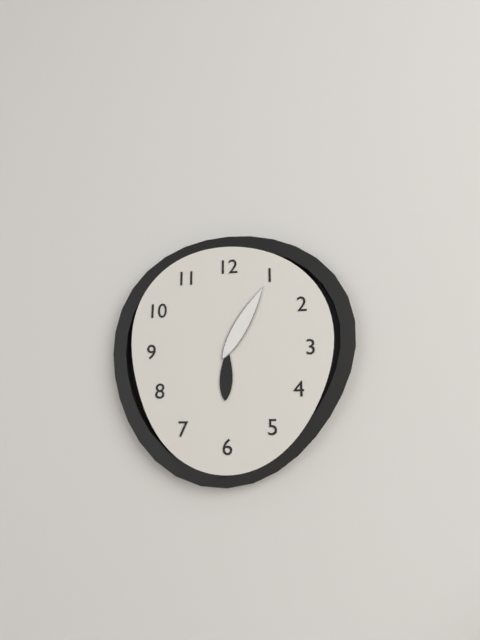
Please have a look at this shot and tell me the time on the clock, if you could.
6:05
